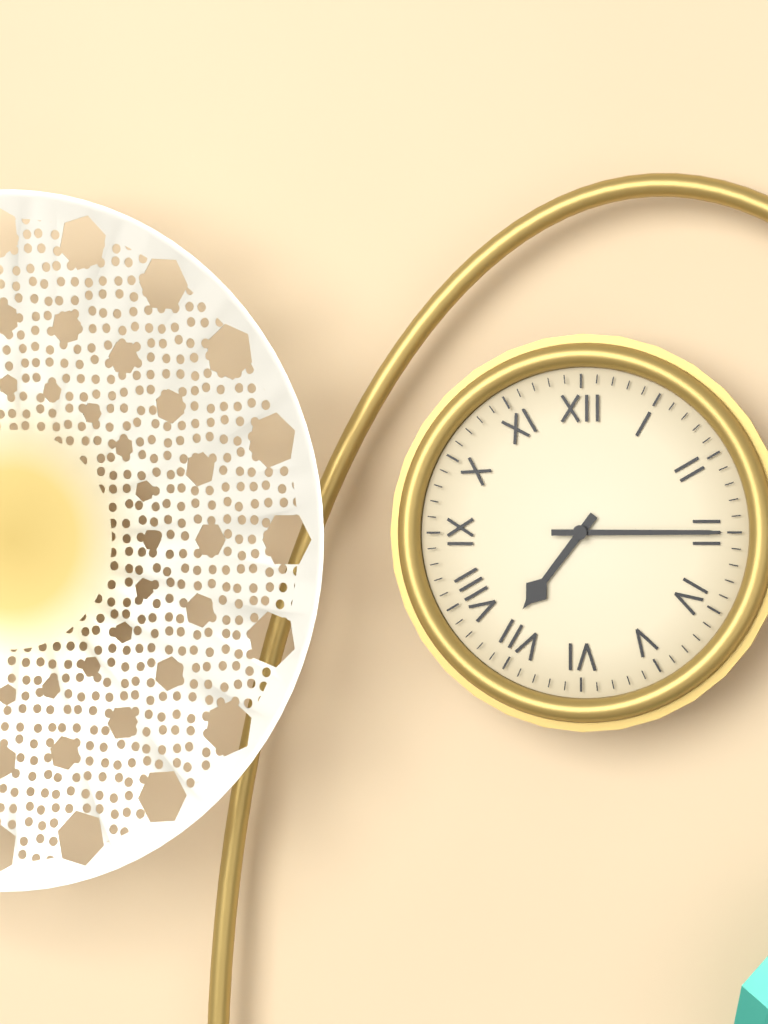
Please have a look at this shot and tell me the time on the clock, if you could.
7:15
